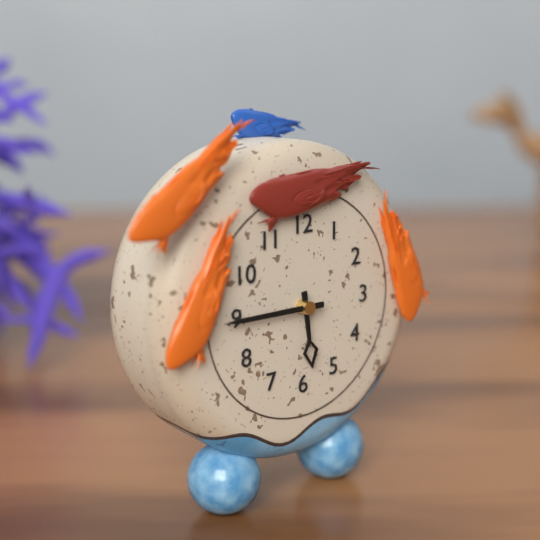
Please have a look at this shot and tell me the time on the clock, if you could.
5:45
